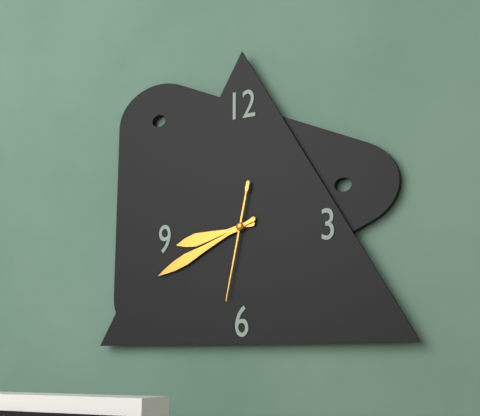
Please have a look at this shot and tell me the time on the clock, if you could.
8:41:32
